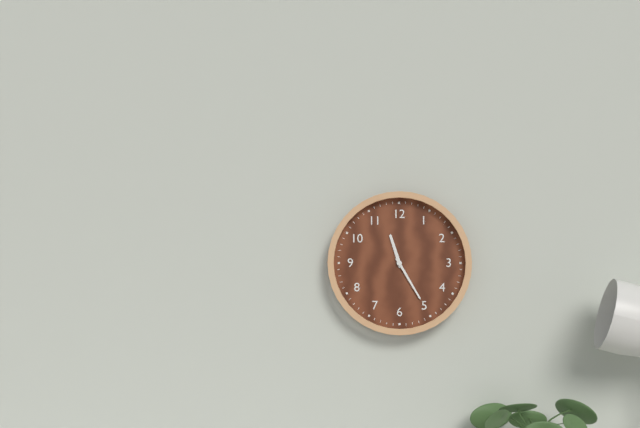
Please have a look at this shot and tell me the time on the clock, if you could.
11:25
